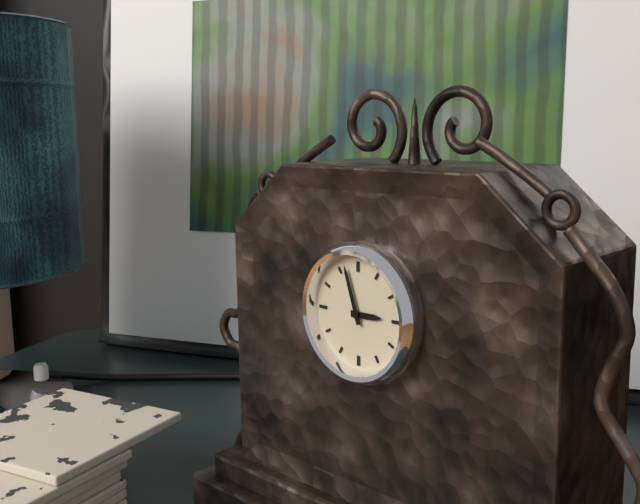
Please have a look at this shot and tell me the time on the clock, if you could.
2:57
